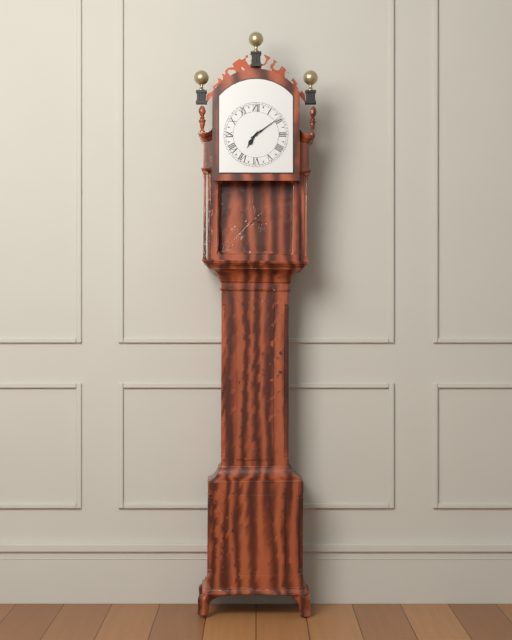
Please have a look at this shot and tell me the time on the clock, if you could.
7:09
